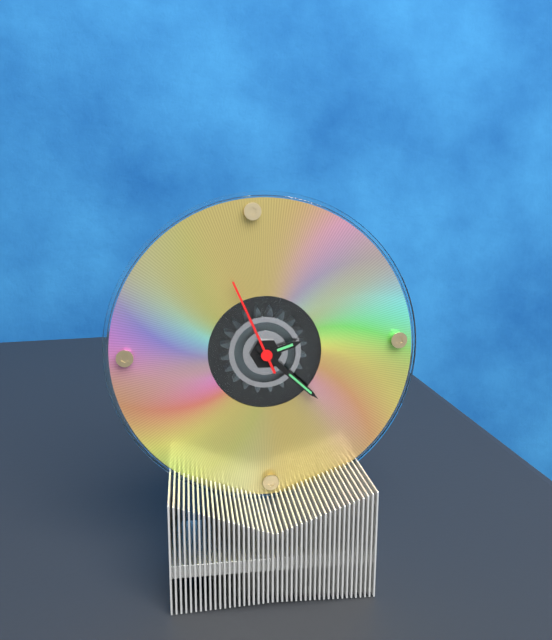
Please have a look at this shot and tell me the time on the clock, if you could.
2:22:56
